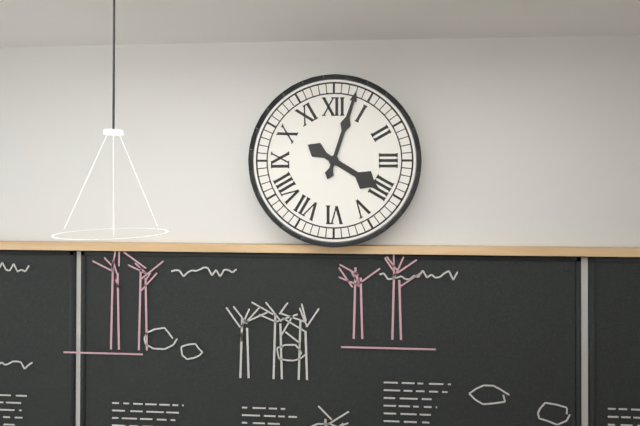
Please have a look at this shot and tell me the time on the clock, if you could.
4:03
